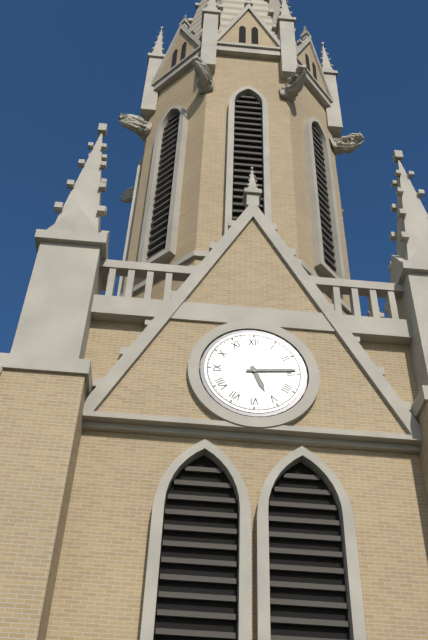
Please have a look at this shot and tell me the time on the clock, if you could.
5:14
